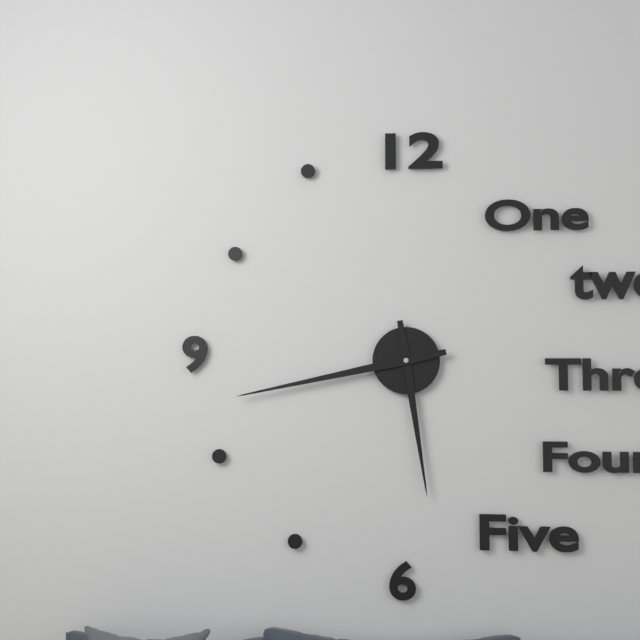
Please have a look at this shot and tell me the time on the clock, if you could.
5:43
